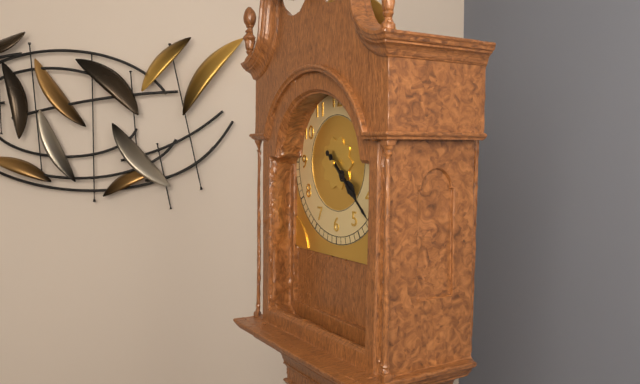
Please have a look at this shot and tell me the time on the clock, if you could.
4:22
